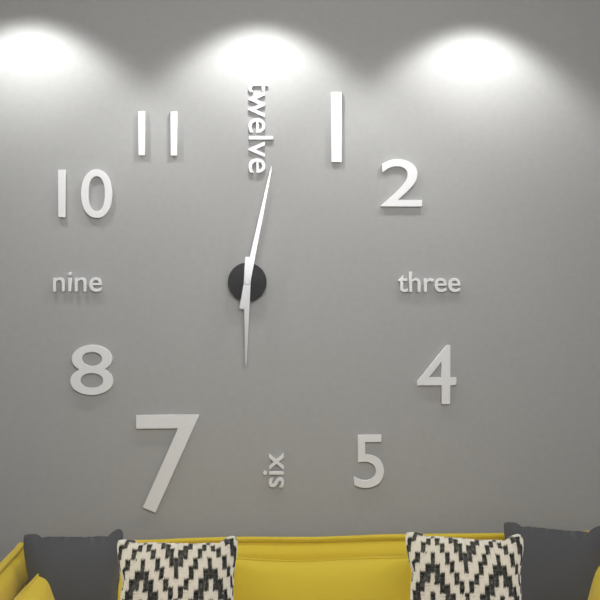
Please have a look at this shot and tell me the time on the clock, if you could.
6:02
